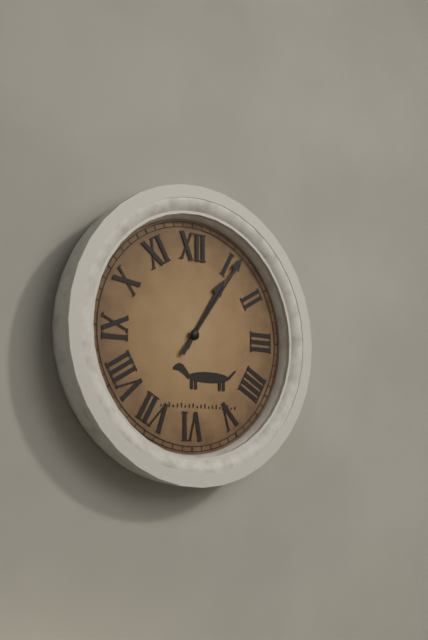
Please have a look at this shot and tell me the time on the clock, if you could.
1:06
